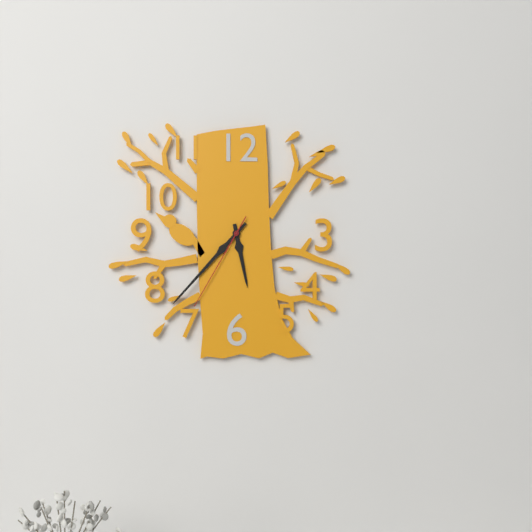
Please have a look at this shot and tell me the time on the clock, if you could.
5:37:35
